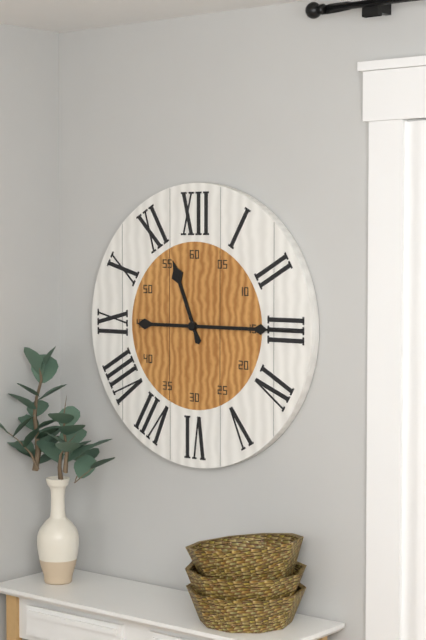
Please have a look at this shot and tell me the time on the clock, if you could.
11:15
